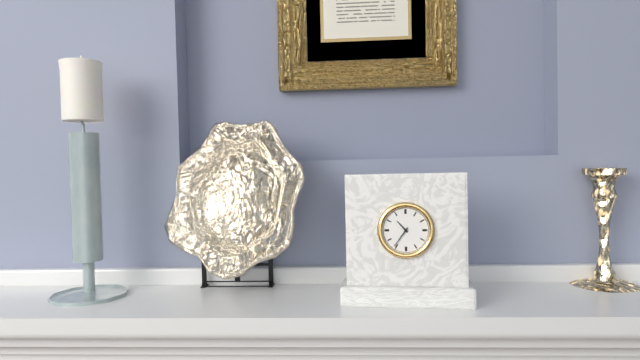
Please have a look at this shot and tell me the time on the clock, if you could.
10:36
